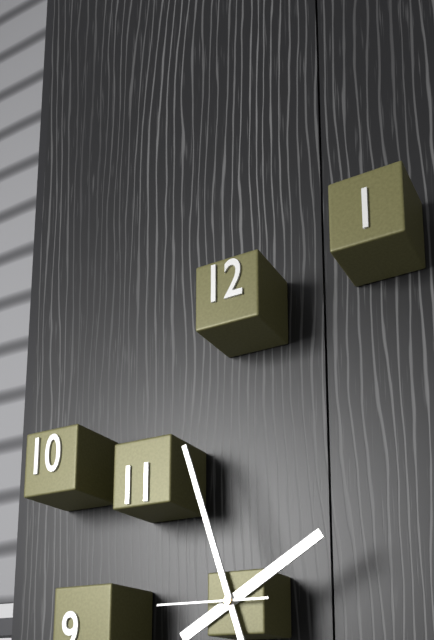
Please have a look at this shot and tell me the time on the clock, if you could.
1:57:45
